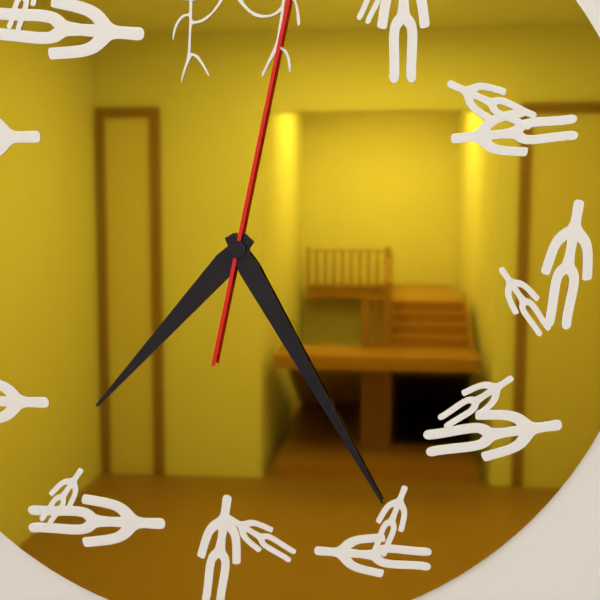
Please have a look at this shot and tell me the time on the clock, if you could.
7:25
